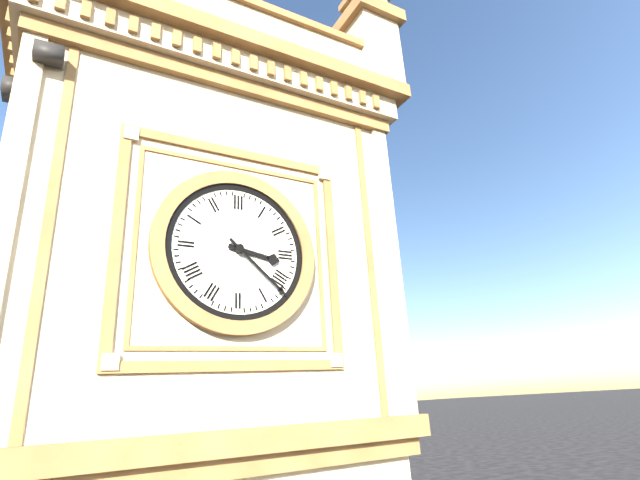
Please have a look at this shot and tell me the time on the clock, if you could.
3:22
